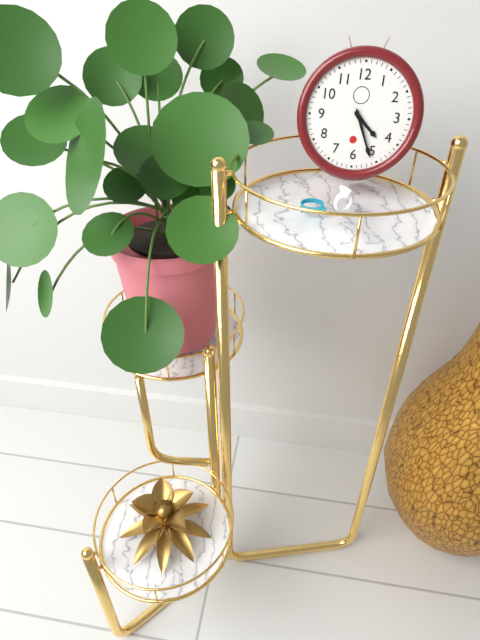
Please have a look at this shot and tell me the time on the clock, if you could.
4:26
